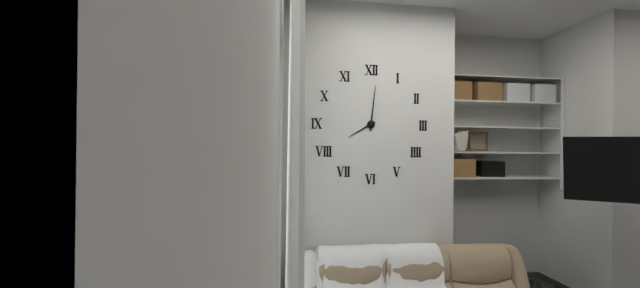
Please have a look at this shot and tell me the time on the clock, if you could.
8:01
